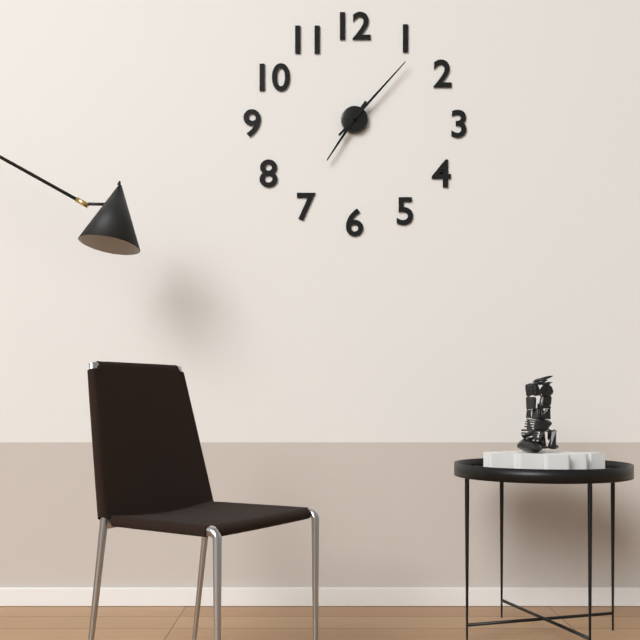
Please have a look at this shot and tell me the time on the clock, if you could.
7:07
